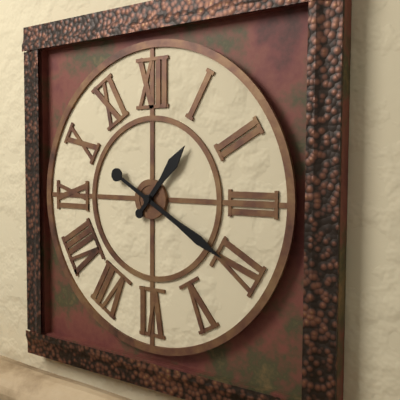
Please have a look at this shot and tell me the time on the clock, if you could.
1:20
